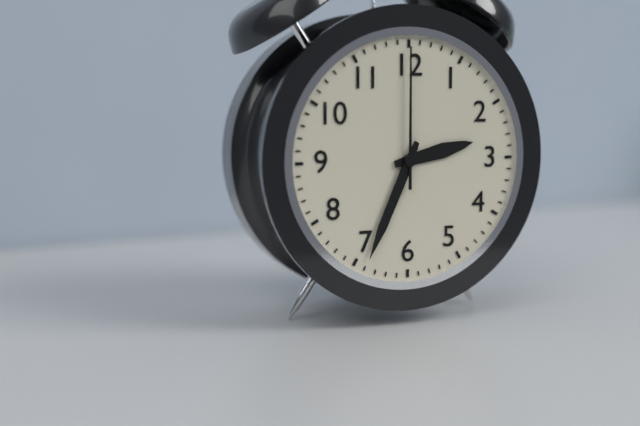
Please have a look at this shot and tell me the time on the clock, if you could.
2:34:00
